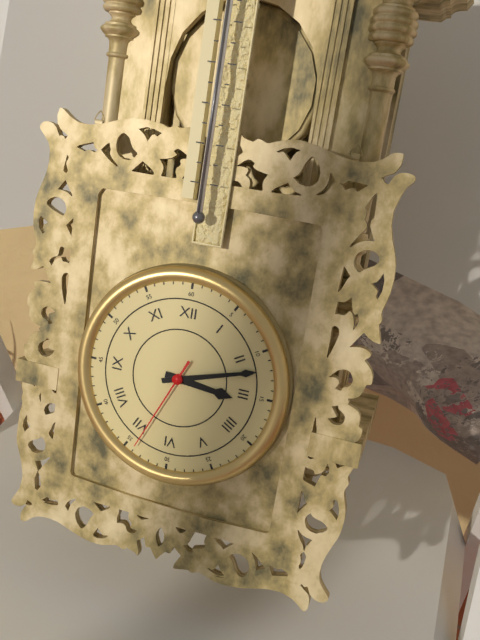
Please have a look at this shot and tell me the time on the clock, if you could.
3:12:34
